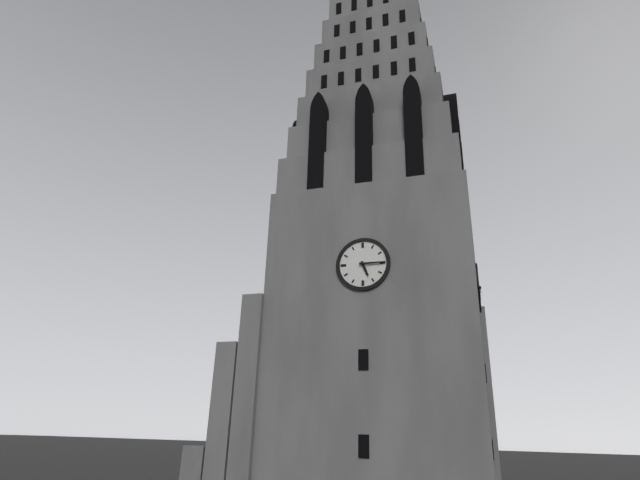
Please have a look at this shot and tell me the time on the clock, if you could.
5:15
